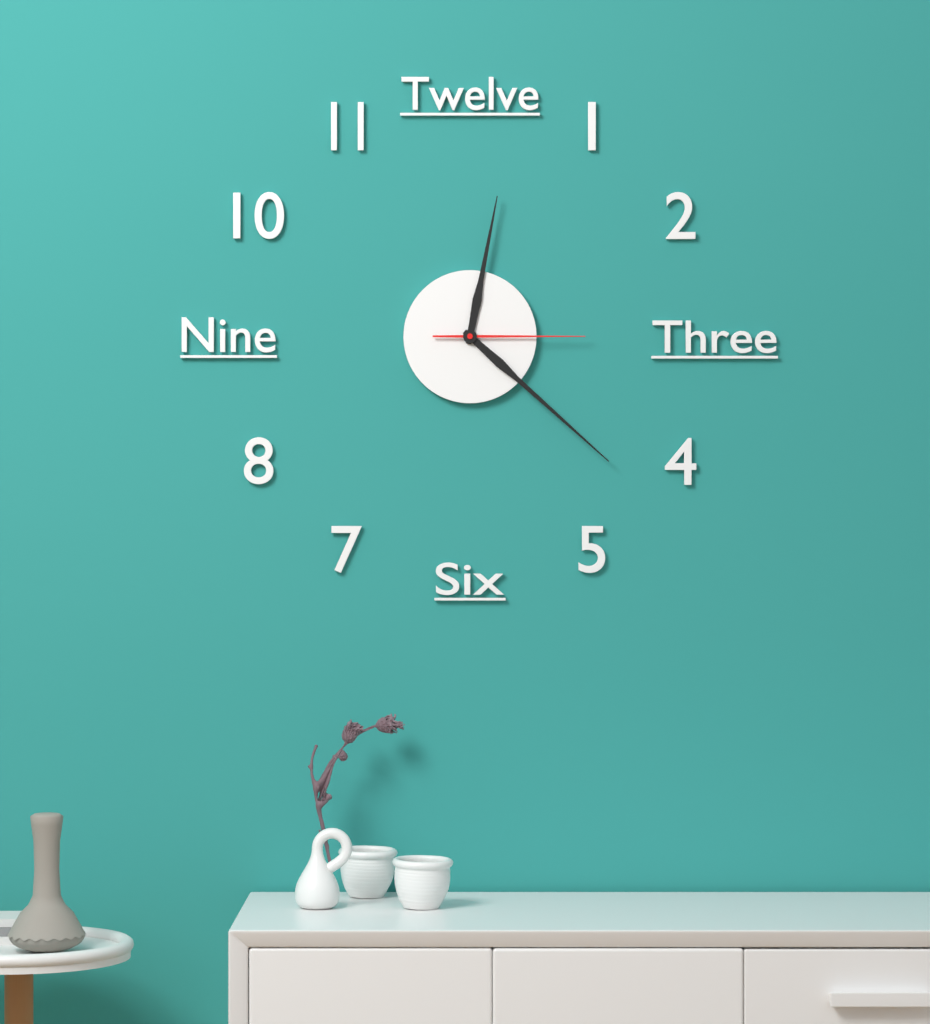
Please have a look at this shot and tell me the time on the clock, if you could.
12:22:15
